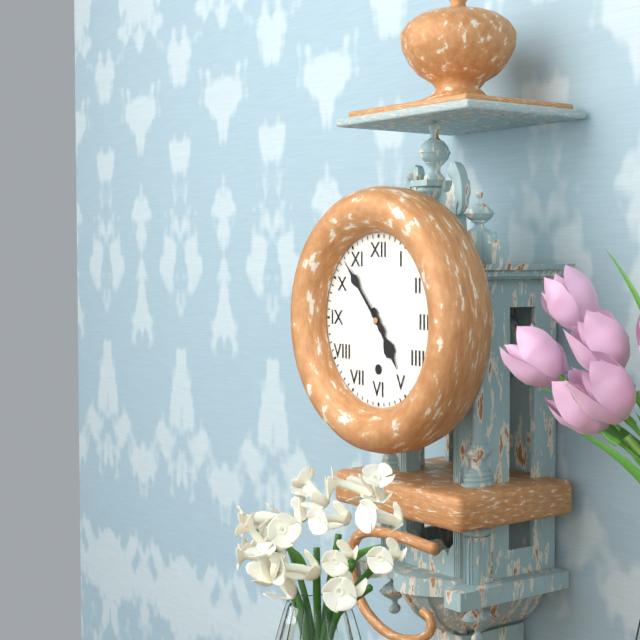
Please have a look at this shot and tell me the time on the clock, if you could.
4:53
